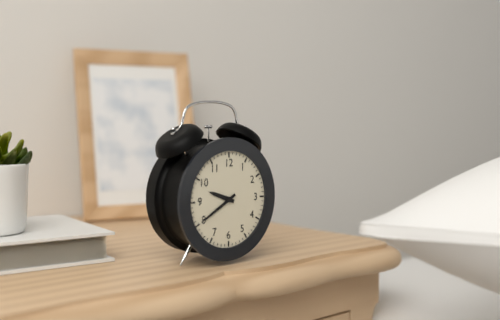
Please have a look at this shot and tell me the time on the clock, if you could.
9:40
